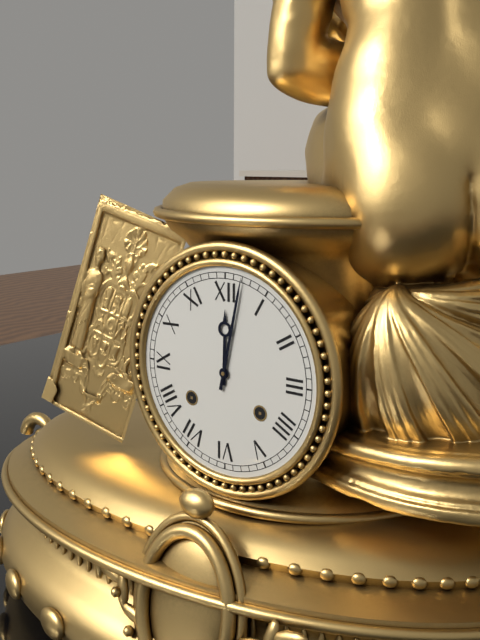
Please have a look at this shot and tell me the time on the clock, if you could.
12:02
